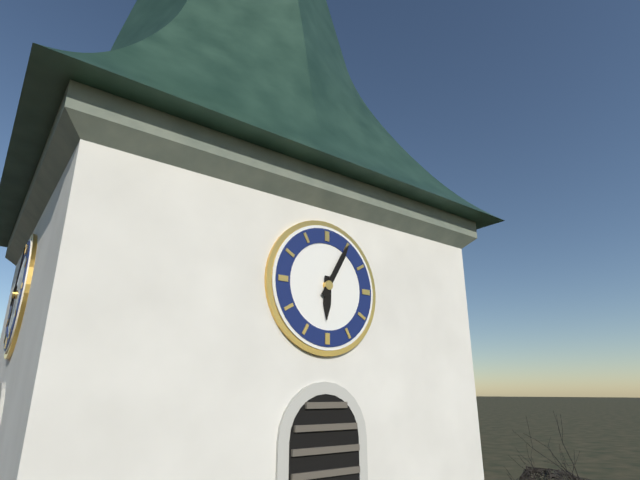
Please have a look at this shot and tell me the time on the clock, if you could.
6:05
